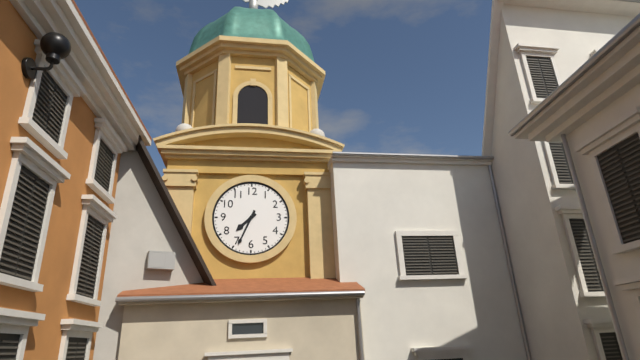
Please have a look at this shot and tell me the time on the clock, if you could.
7:34
